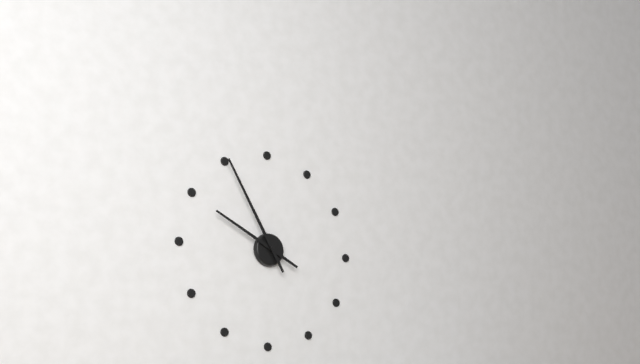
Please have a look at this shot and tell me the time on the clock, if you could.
9:55
